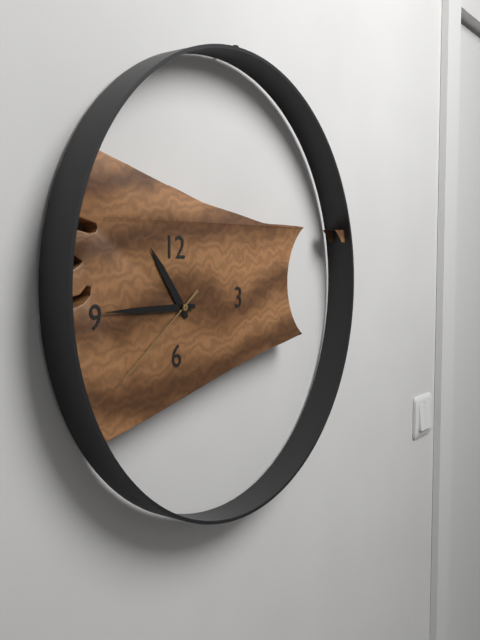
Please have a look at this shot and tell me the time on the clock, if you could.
10:45:39
